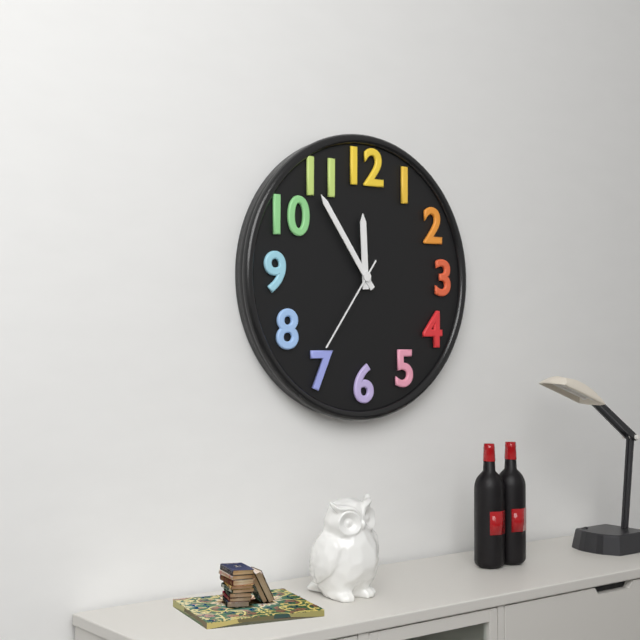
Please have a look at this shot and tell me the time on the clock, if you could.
11:54:36
